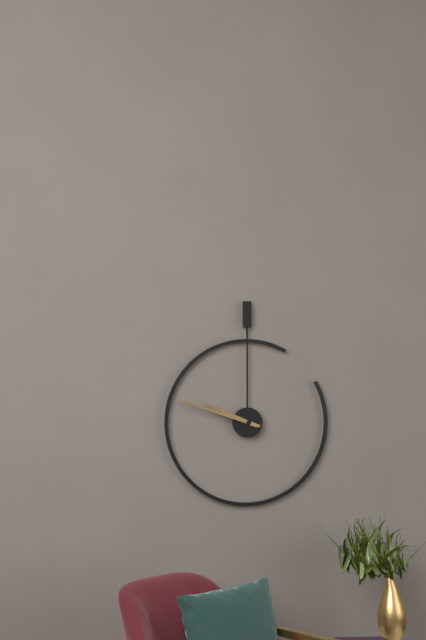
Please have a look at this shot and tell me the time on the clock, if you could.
9:48
